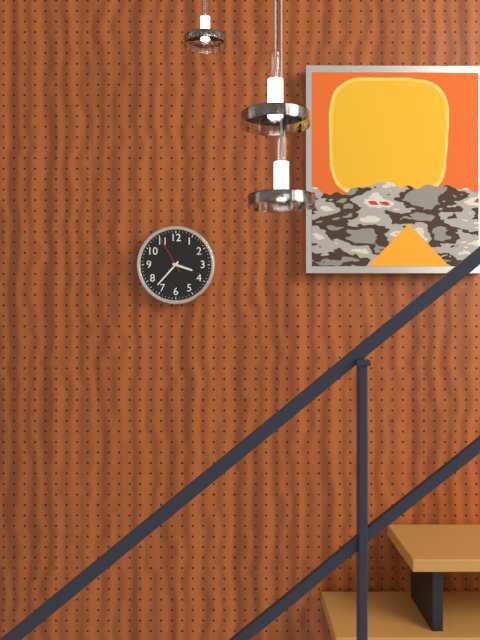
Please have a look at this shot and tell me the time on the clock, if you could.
3:37
